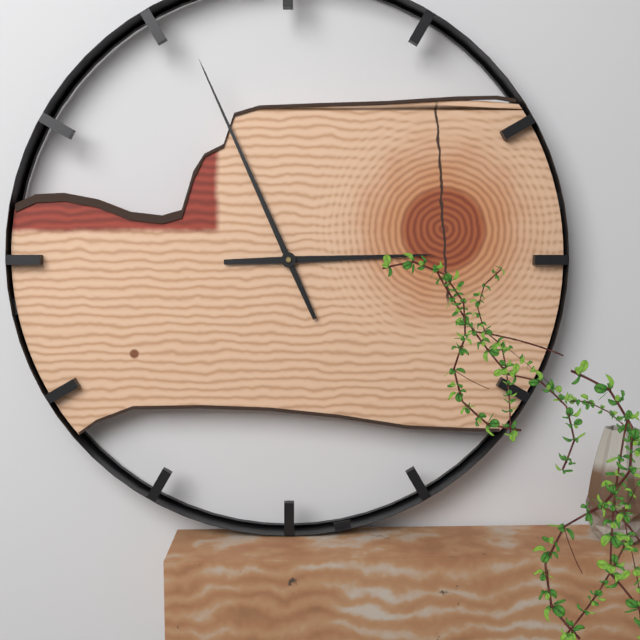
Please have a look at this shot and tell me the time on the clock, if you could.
2:56
